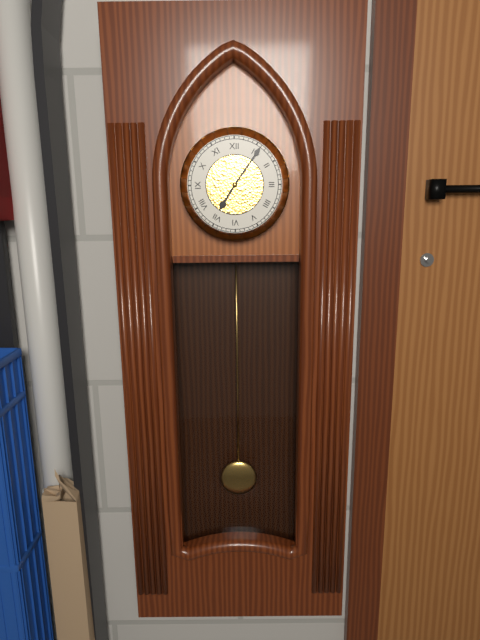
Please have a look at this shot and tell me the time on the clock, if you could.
7:06
